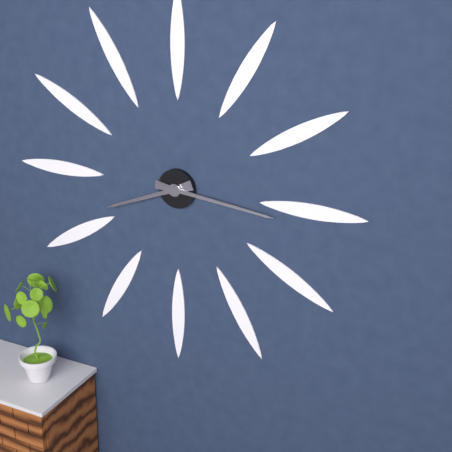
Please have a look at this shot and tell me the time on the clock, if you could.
8:16
